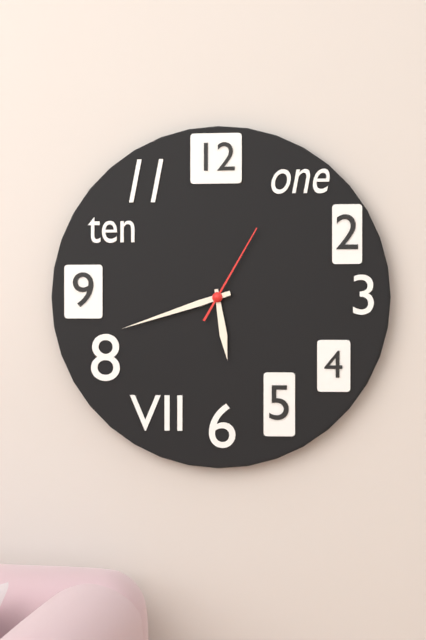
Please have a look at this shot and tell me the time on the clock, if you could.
5:42:05
